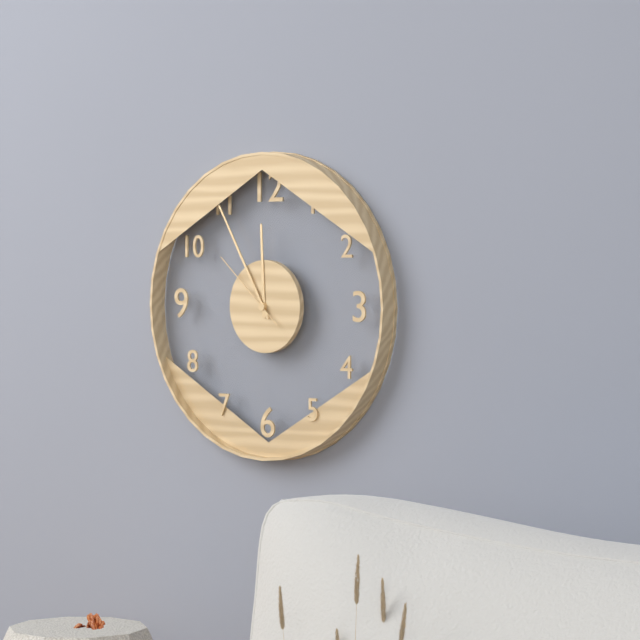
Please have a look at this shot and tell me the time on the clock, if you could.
11:55:52
